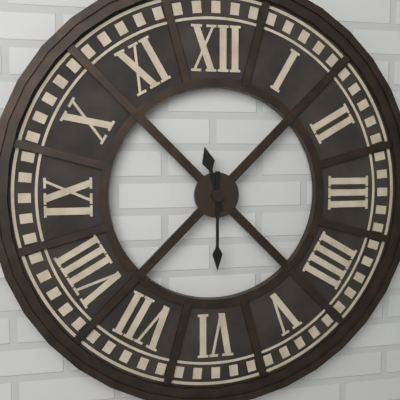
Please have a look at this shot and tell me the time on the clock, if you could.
11:30
